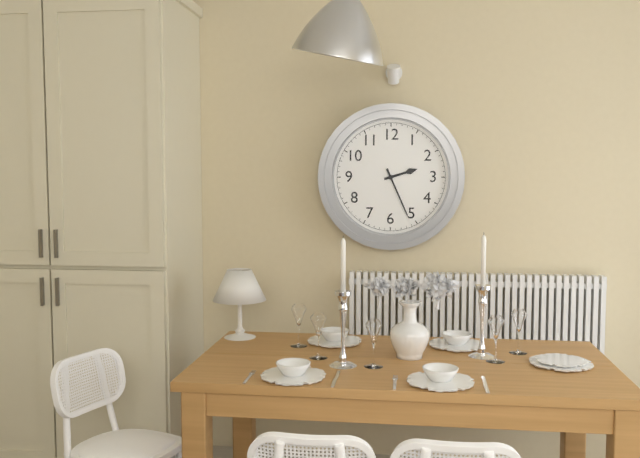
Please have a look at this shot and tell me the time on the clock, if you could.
2:26
